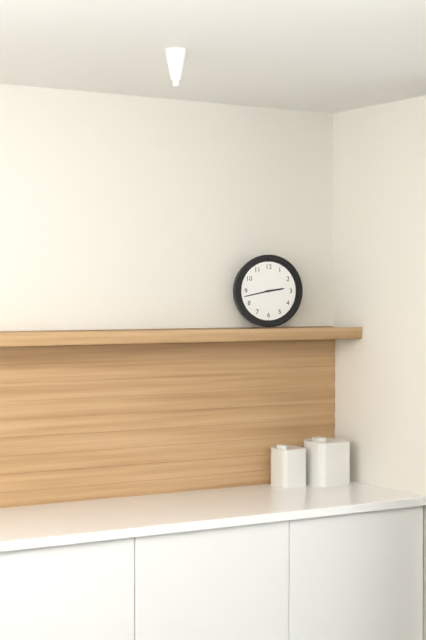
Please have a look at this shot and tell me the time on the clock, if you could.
2:43
